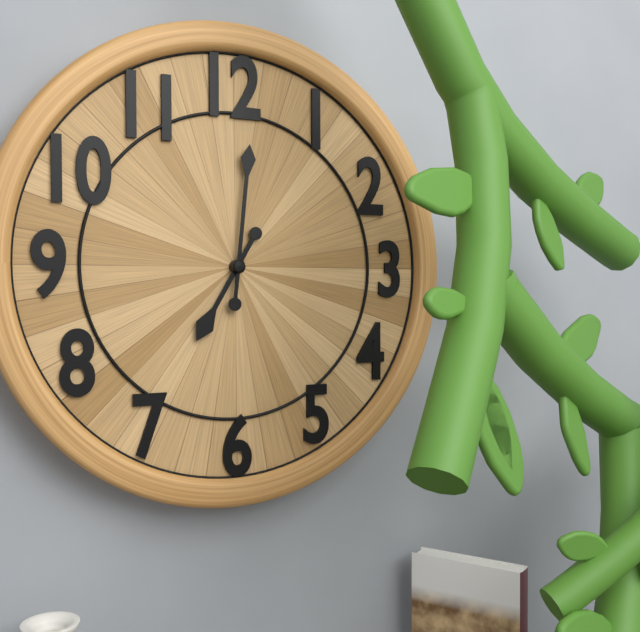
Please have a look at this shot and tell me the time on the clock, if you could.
7:01
